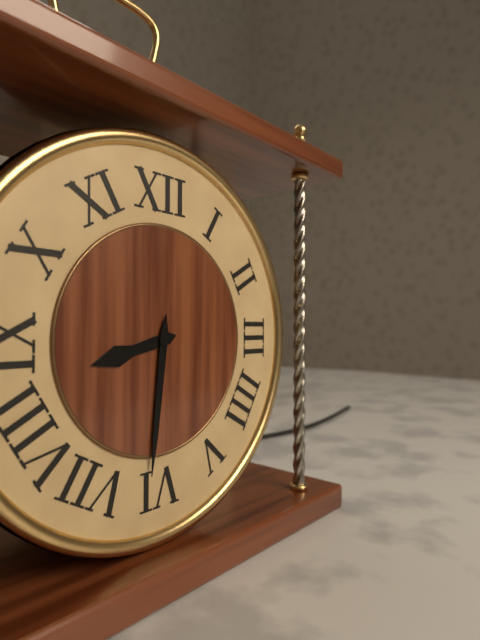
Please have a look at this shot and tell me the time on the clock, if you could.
8:31
